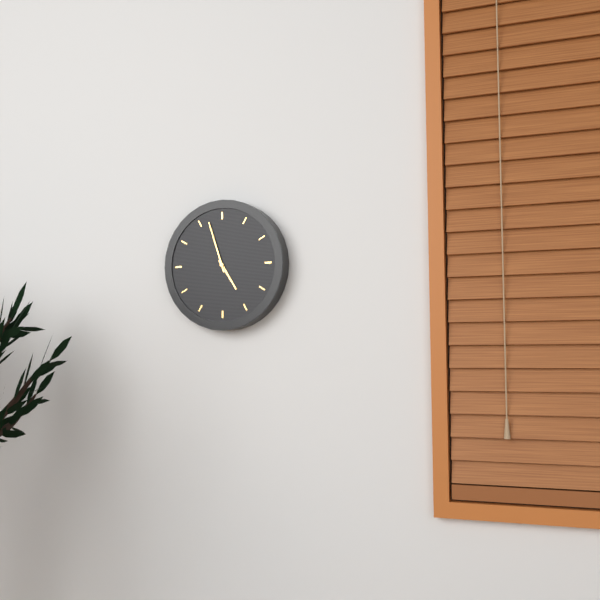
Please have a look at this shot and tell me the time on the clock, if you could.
4:57
